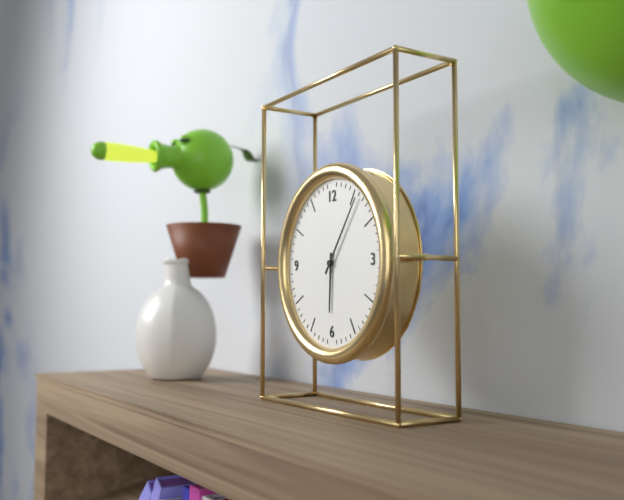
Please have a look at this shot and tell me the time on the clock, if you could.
6:06
